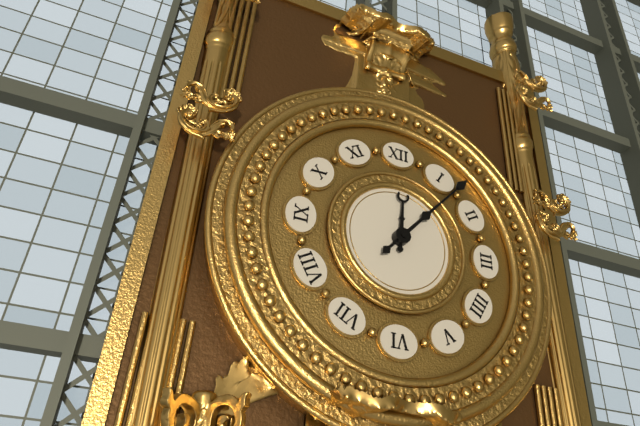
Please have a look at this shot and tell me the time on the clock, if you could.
12:07
